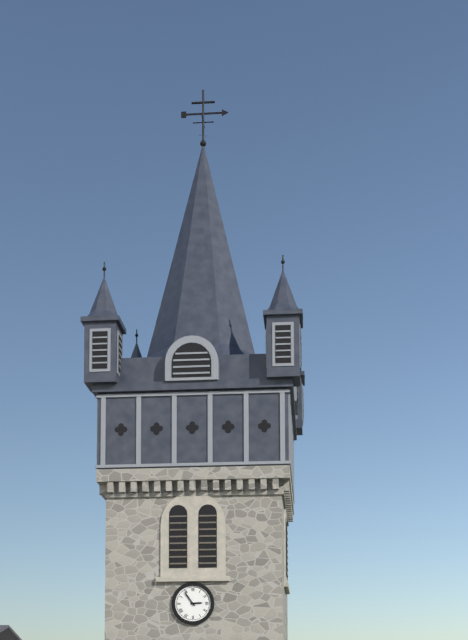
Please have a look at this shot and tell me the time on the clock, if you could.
2:54
